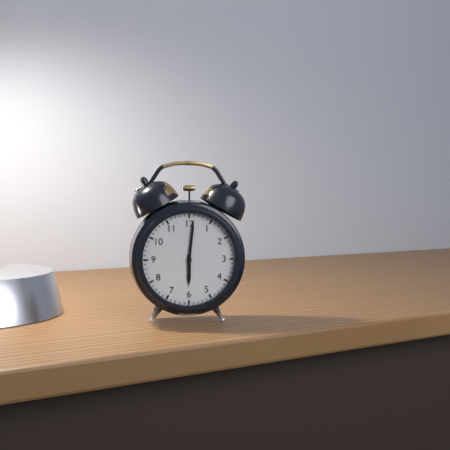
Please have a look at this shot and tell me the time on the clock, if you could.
6:01
